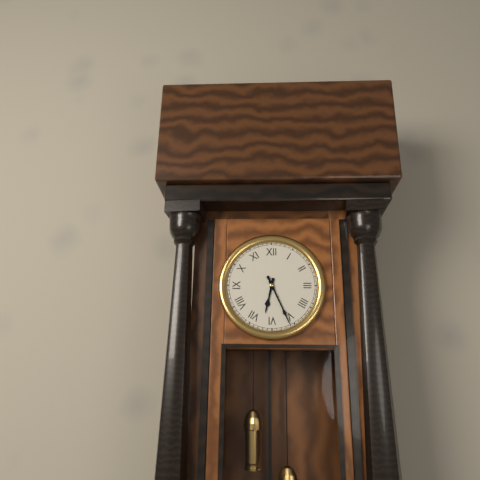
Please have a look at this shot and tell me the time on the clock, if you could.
6:26
